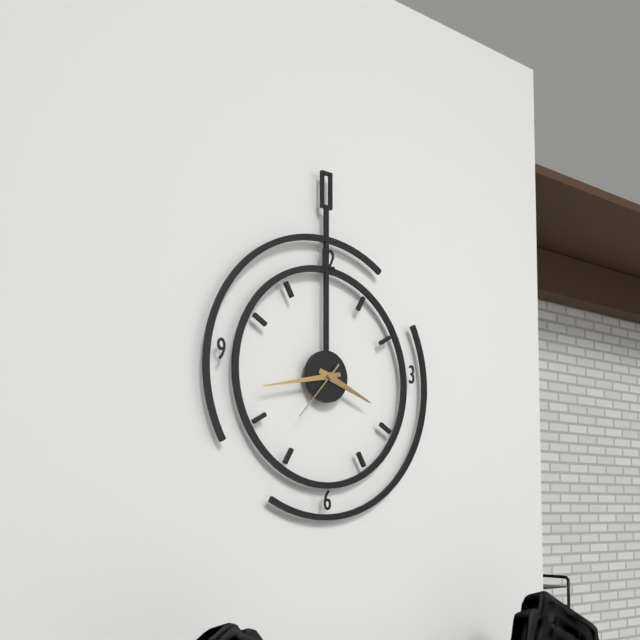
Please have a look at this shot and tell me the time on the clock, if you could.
3:43:37
